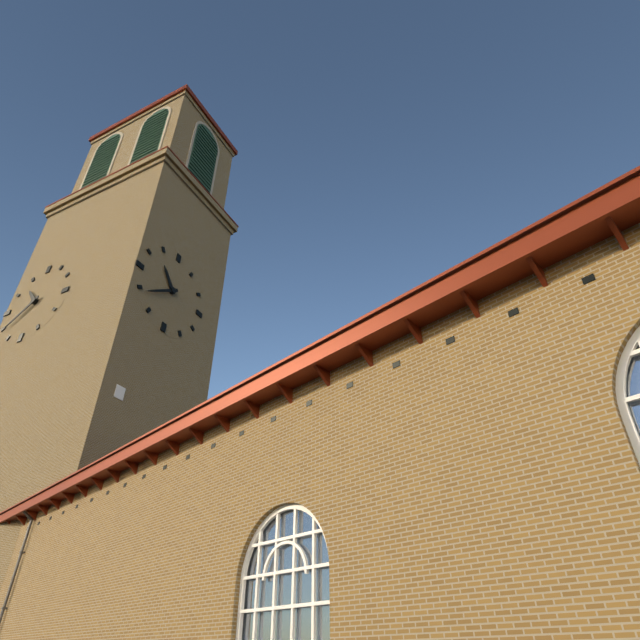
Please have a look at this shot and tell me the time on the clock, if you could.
10:39
